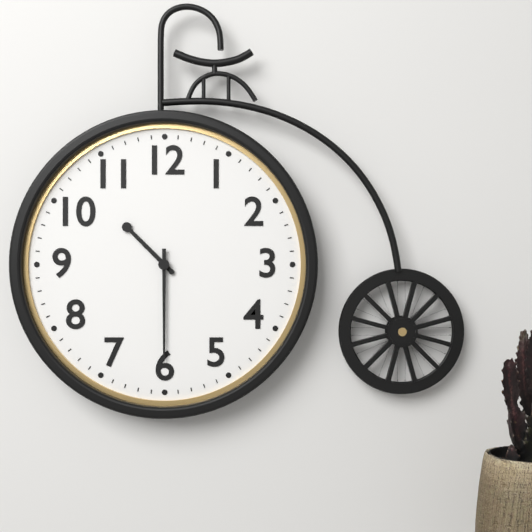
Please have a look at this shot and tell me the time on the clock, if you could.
10:30
